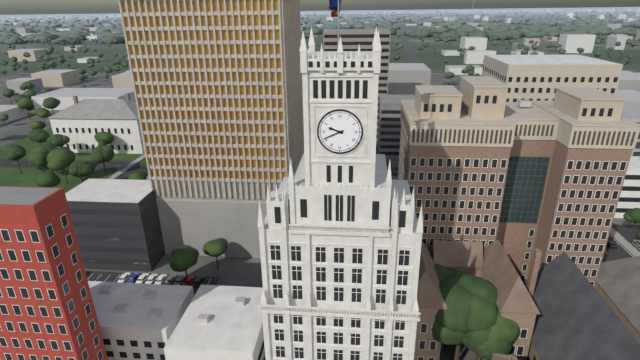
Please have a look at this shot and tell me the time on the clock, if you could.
9:41
